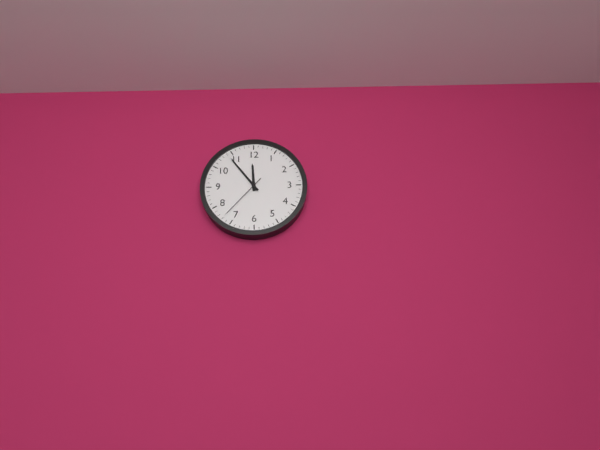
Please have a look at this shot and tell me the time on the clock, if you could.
11:54:37
